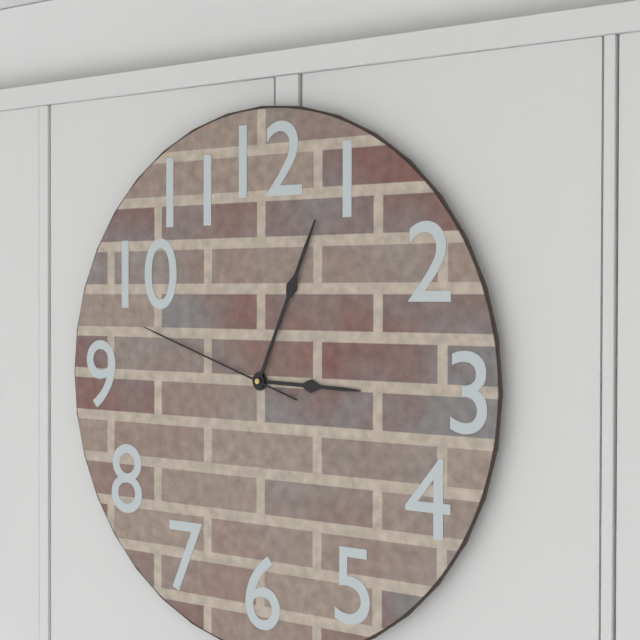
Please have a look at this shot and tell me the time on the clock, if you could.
3:04:48
